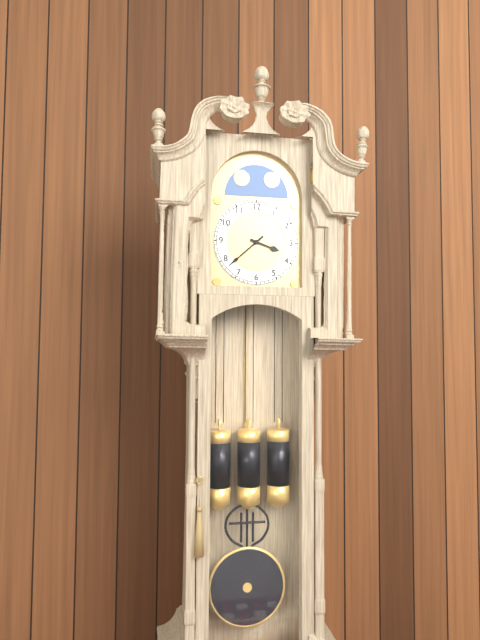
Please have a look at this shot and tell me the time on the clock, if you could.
3:38
